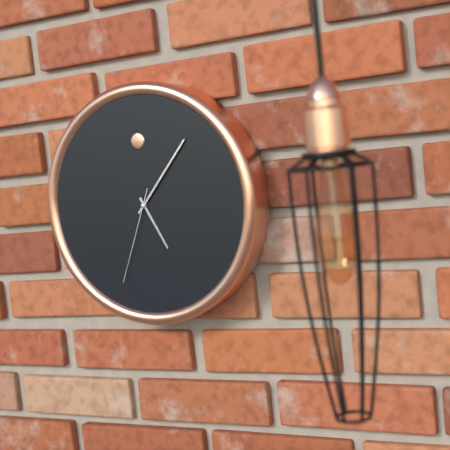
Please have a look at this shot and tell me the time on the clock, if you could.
5:07:34
